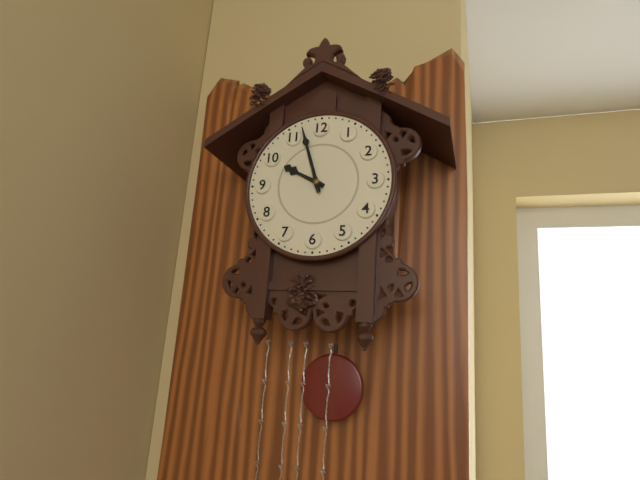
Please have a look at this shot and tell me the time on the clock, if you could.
9:57
